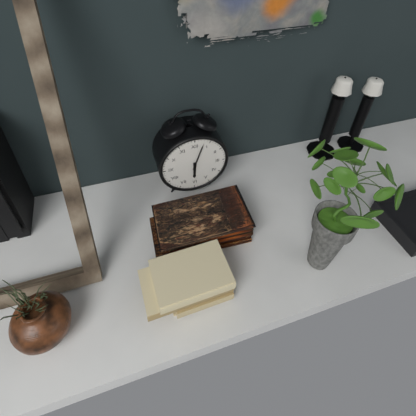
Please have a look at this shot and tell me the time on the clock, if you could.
6:03
